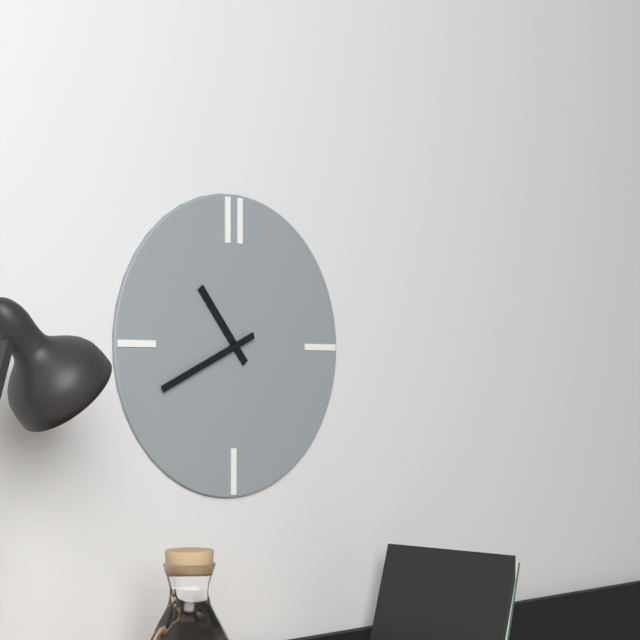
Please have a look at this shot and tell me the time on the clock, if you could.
10:41
